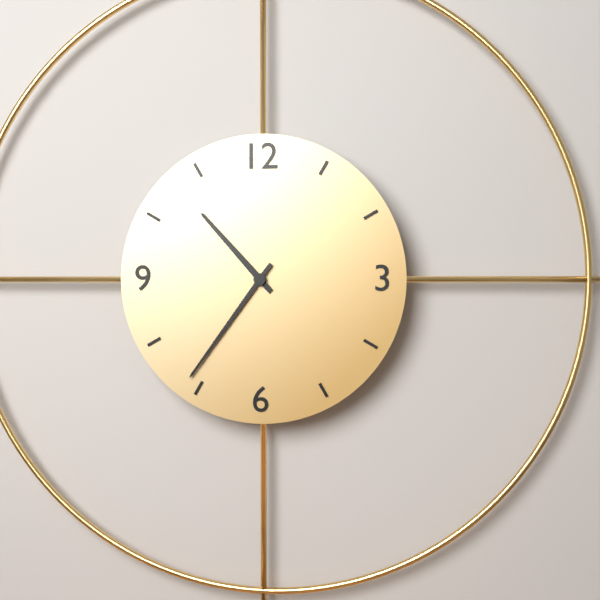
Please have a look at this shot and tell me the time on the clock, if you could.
10:36
